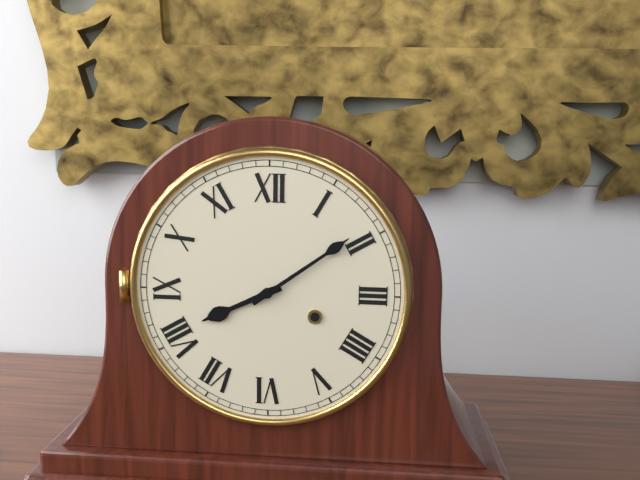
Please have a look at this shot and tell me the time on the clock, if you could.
8:09
